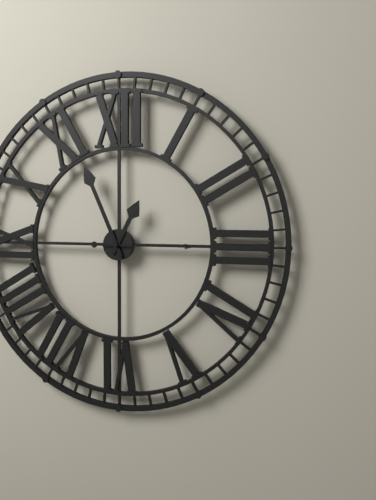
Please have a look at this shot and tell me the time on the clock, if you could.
12:56:15
